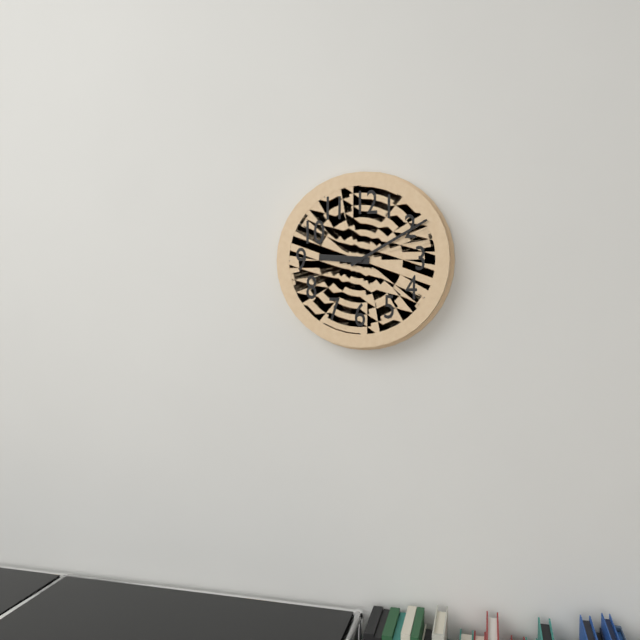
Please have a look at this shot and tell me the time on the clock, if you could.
9:10
